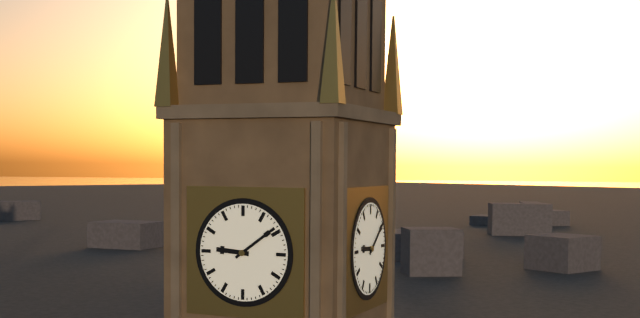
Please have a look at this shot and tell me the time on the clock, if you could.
9:09
